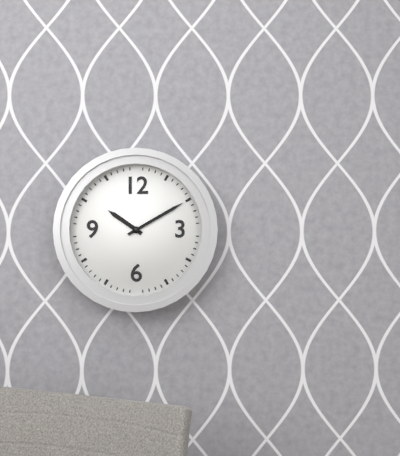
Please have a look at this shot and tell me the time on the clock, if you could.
10:10
